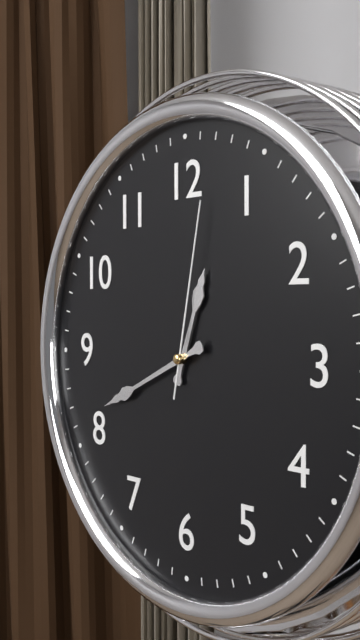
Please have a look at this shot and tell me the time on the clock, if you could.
12:41:02
